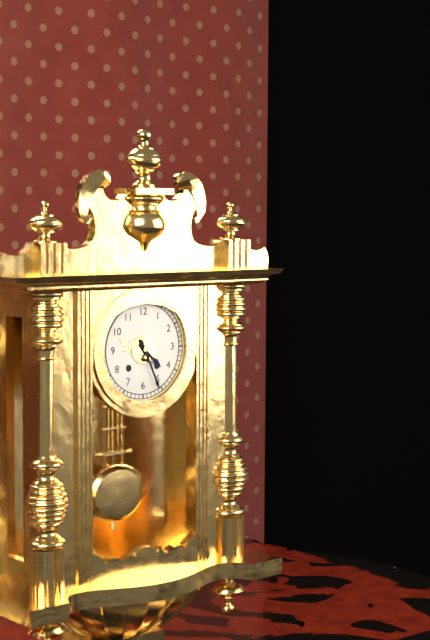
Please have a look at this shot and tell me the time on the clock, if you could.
4:26
